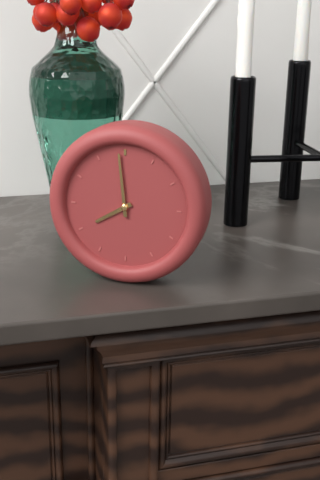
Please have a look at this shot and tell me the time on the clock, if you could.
7:59
